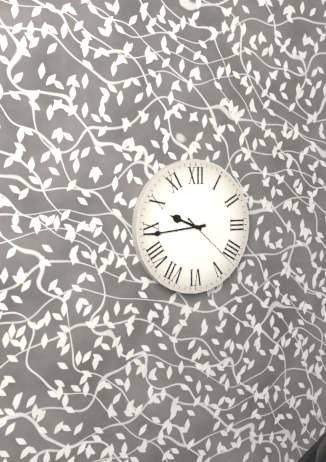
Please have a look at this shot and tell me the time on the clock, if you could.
9:44:22
